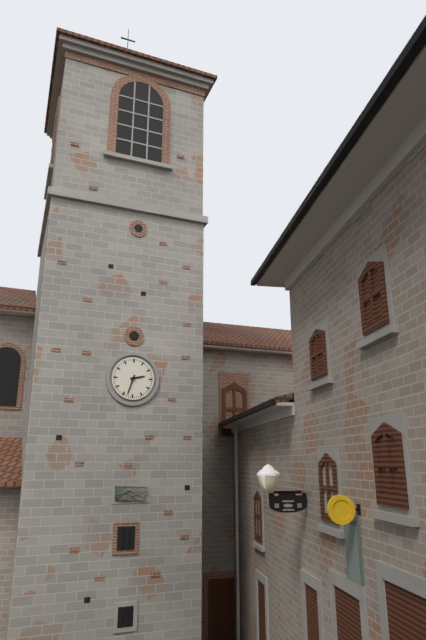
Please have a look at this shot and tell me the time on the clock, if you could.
2:33
